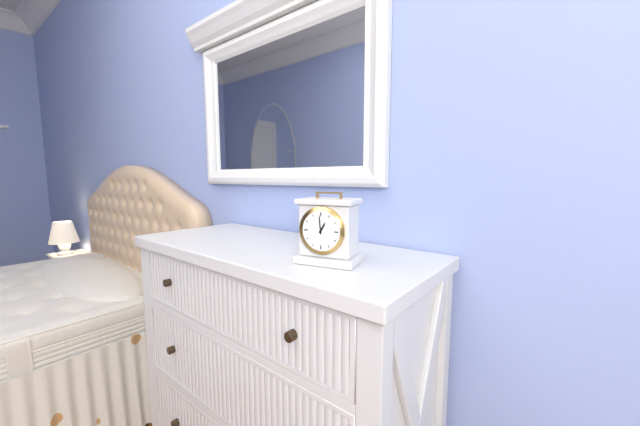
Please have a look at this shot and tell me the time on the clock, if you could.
12:59
